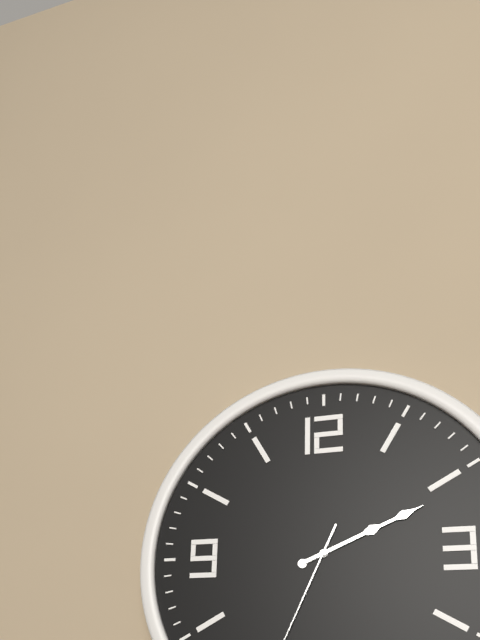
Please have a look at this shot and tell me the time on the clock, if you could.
2:11
